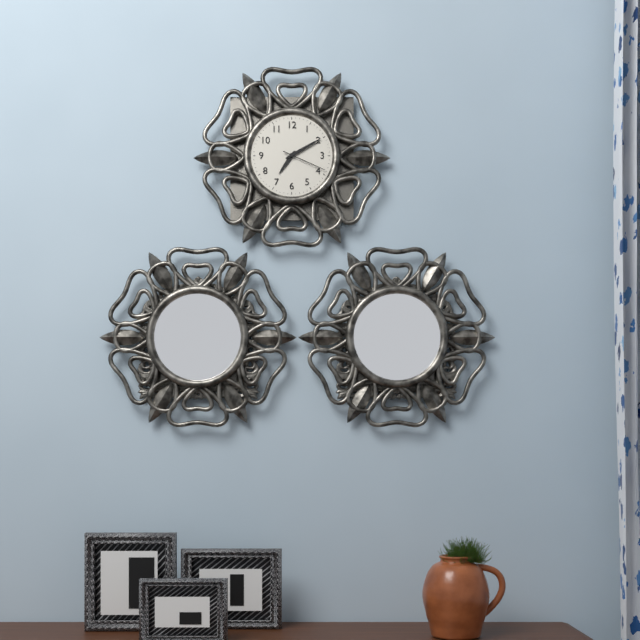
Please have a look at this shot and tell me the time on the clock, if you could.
7:10
